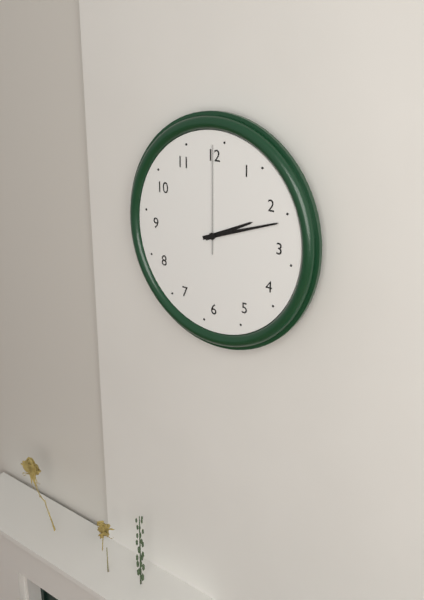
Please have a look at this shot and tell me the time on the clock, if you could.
2:12:00
